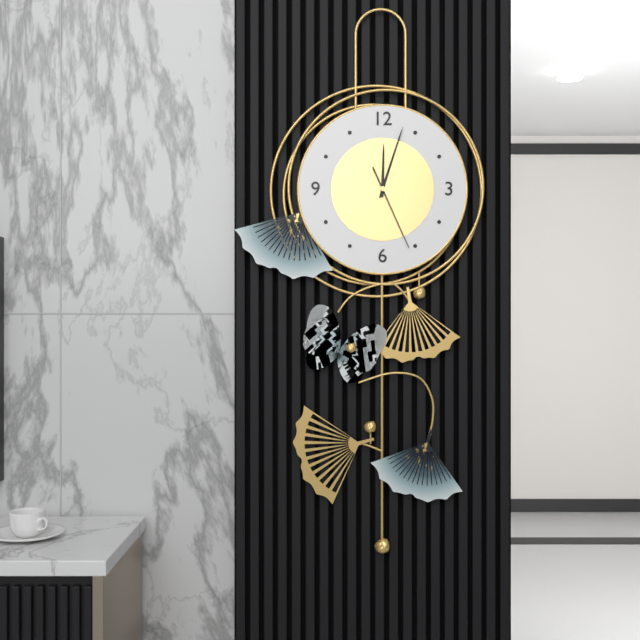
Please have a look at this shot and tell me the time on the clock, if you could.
12:03:26
